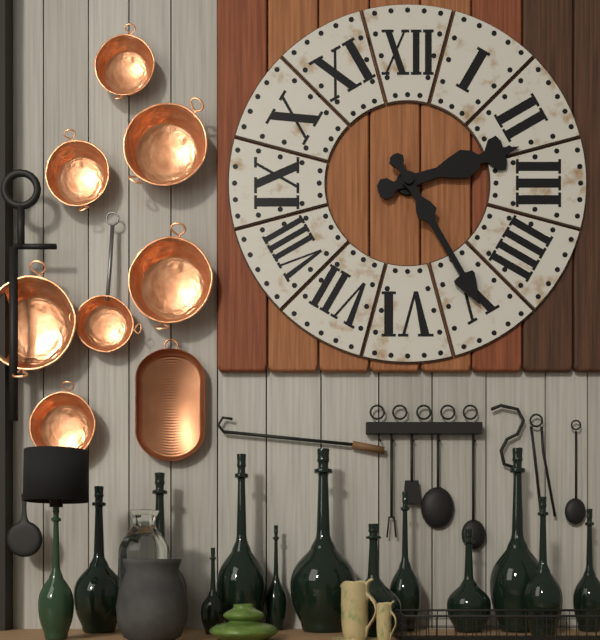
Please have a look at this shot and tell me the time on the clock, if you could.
2:25
